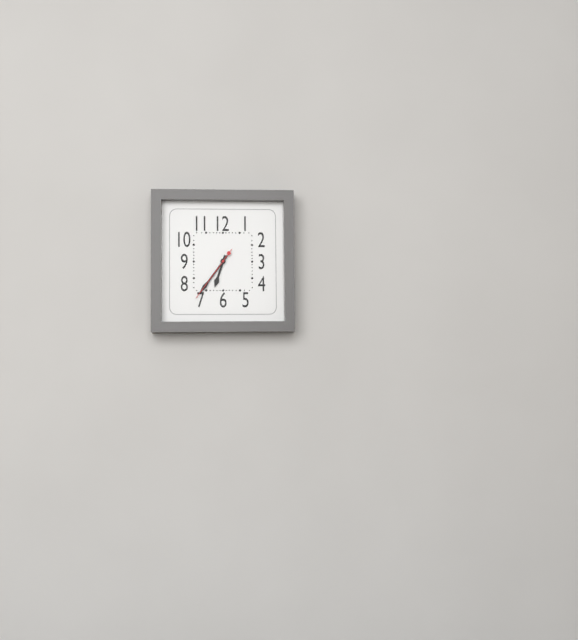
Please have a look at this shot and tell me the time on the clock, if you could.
6:36:36
